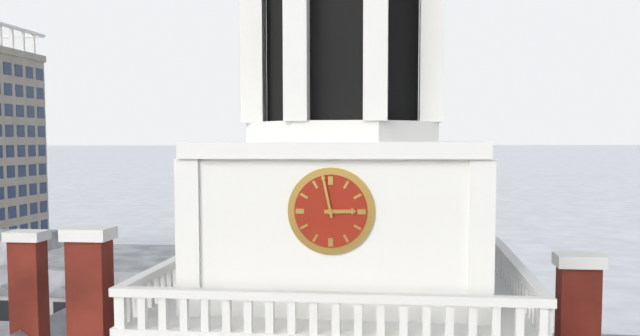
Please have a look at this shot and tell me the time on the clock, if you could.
2:58
